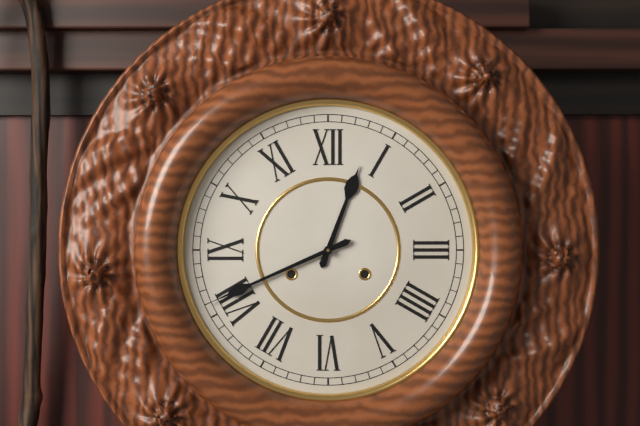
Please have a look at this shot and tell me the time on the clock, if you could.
12:41
